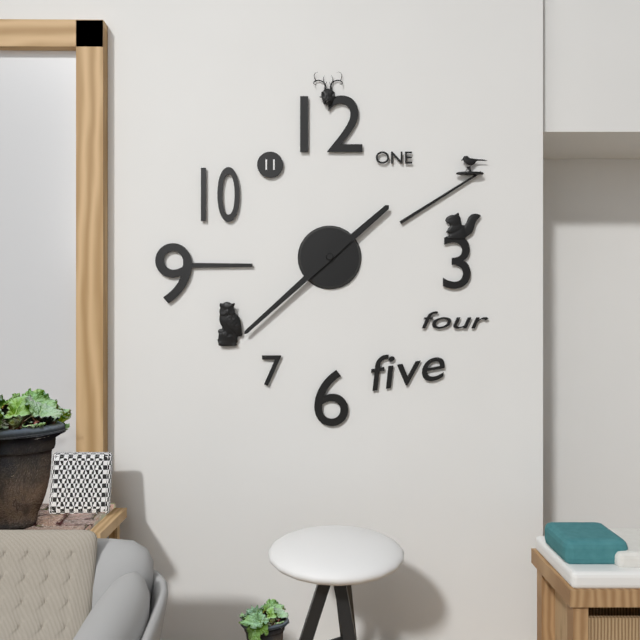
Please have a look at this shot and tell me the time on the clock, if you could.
1:38
